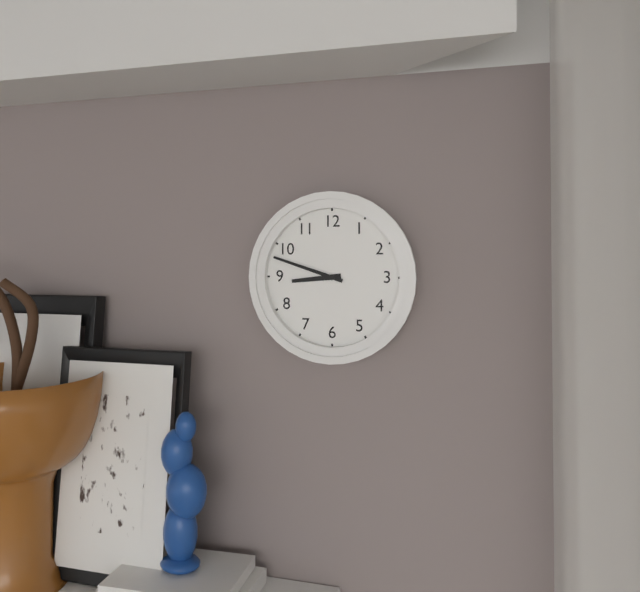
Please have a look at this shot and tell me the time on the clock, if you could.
8:48
